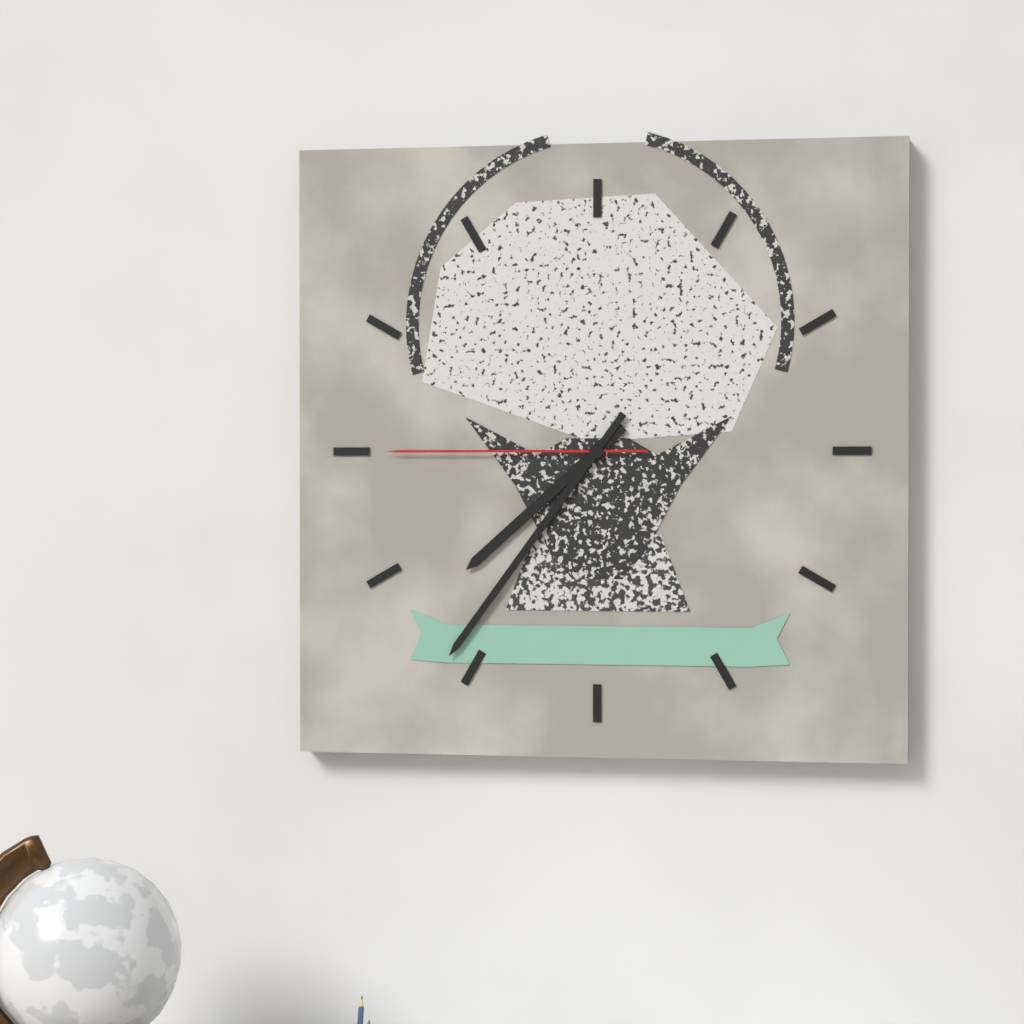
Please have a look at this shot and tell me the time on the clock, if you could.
7:36:45
